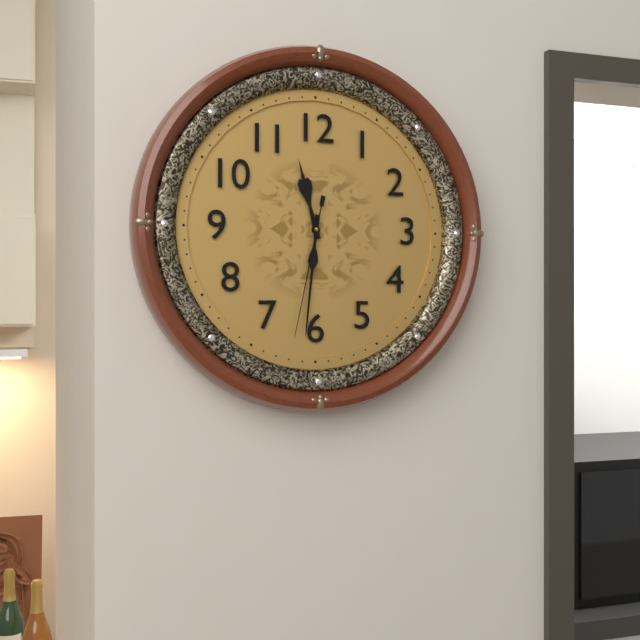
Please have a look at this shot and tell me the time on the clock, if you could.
11:31:32
